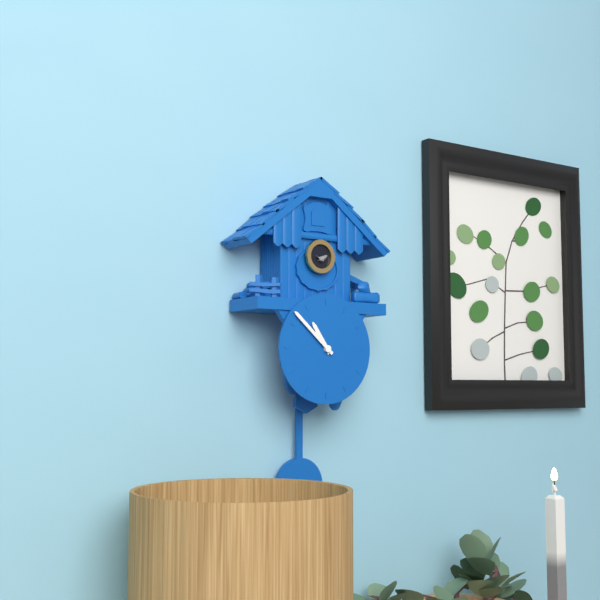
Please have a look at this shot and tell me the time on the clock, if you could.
10:52
